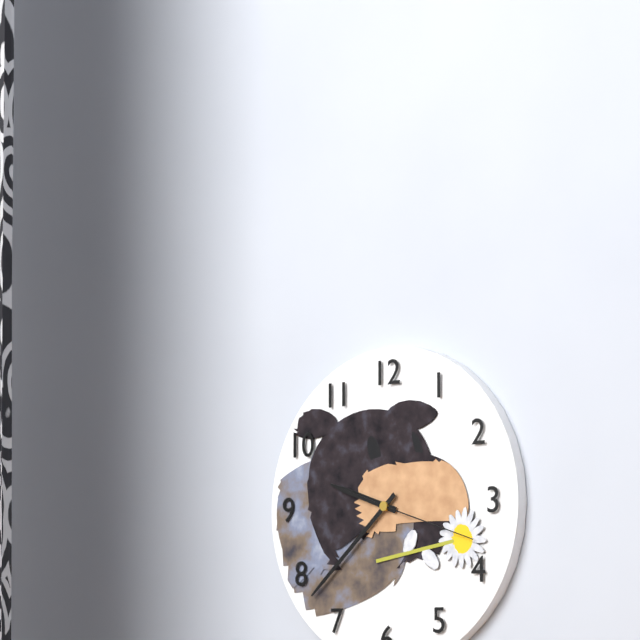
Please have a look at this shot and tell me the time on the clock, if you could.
9:38:18
